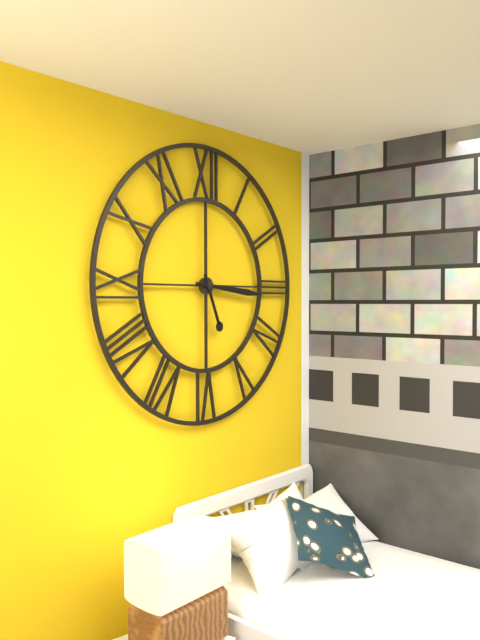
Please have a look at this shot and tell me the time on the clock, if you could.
5:16
